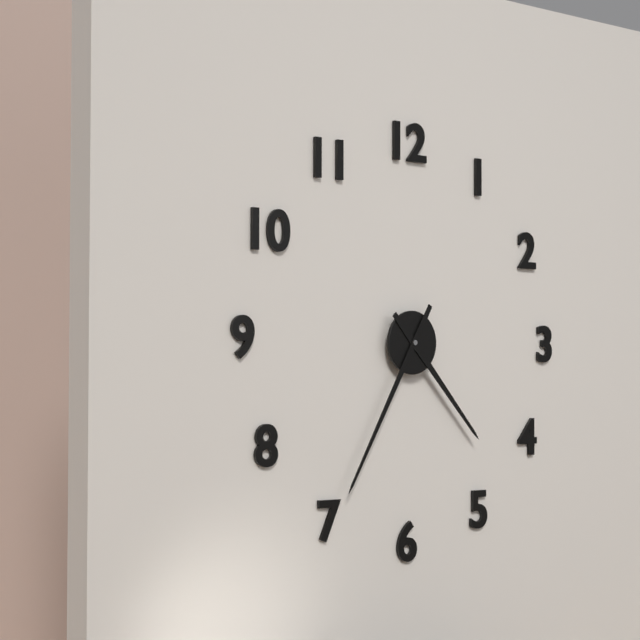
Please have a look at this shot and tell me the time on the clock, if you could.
4:35
